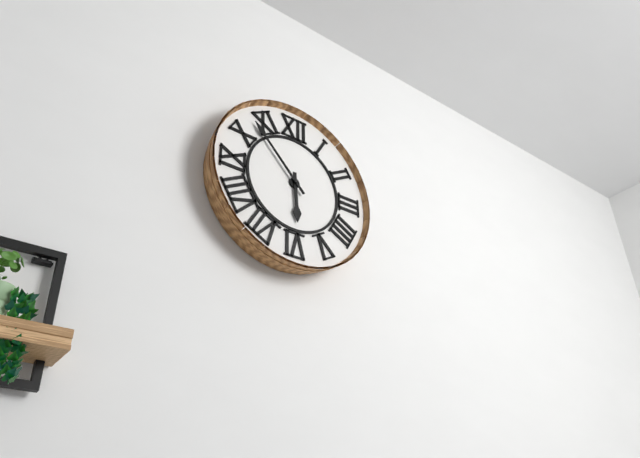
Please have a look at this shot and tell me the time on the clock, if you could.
5:53
